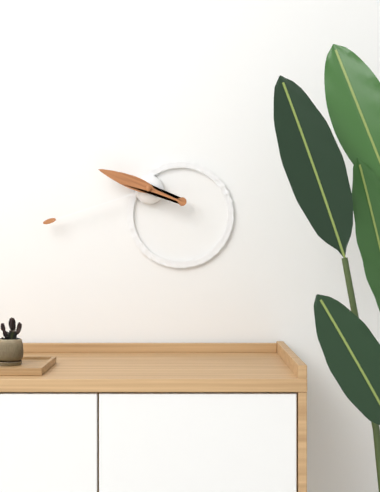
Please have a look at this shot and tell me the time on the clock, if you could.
9:42
